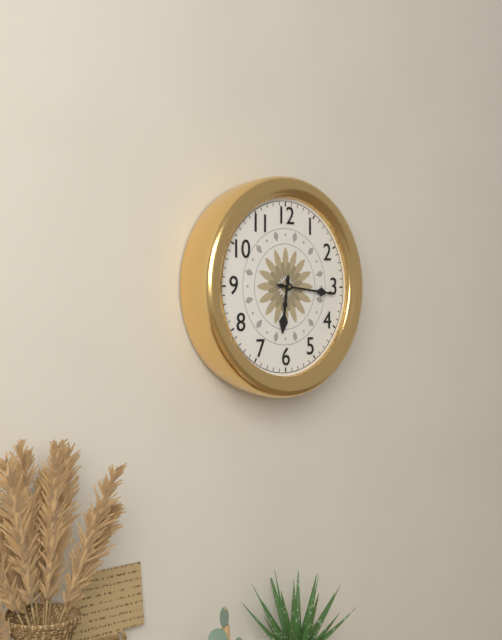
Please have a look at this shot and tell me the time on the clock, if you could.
6:16
